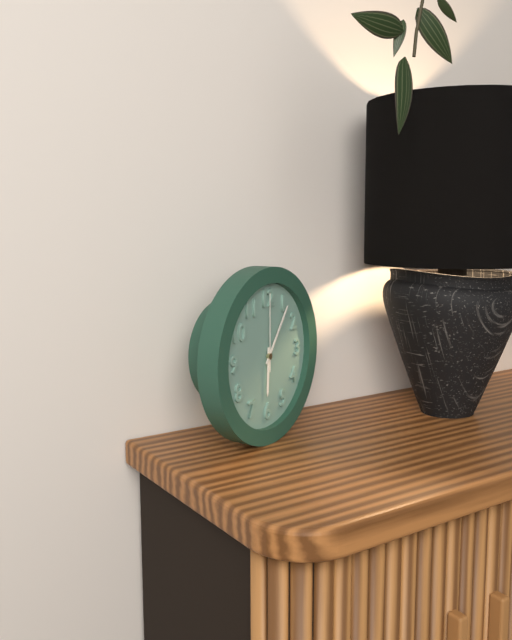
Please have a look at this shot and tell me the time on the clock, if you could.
6:06:00
